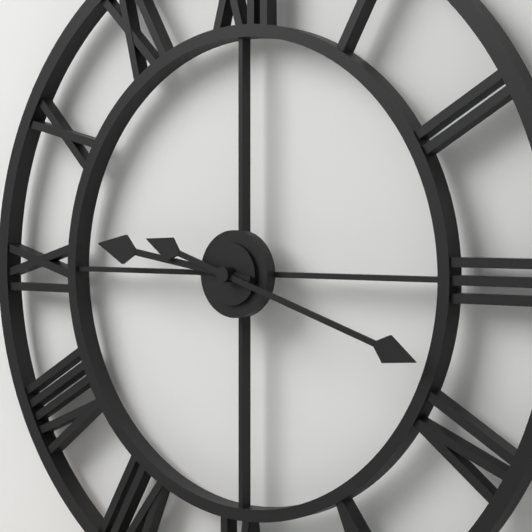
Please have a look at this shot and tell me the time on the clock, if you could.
9:18
